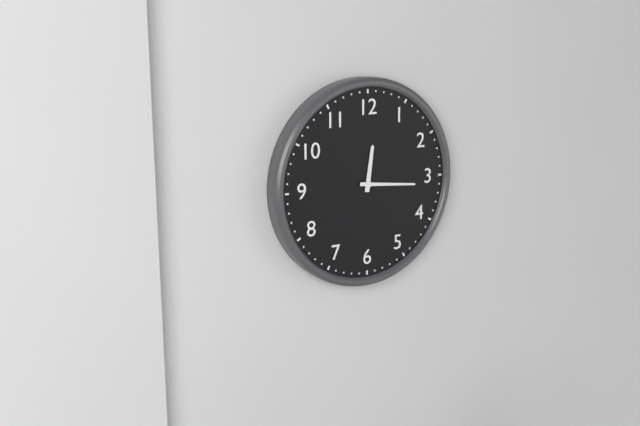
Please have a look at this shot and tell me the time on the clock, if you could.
12:16
